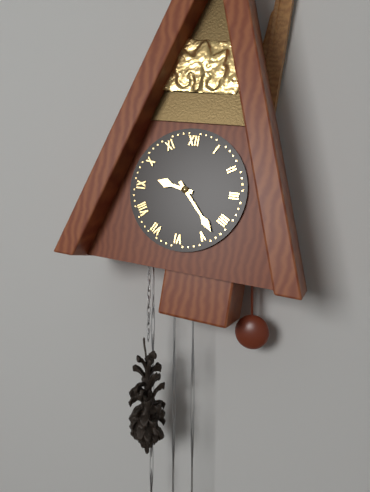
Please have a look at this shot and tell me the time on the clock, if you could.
9:23
